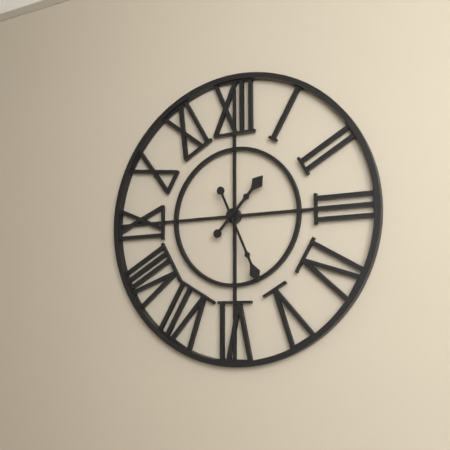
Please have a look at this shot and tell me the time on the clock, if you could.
1:26
